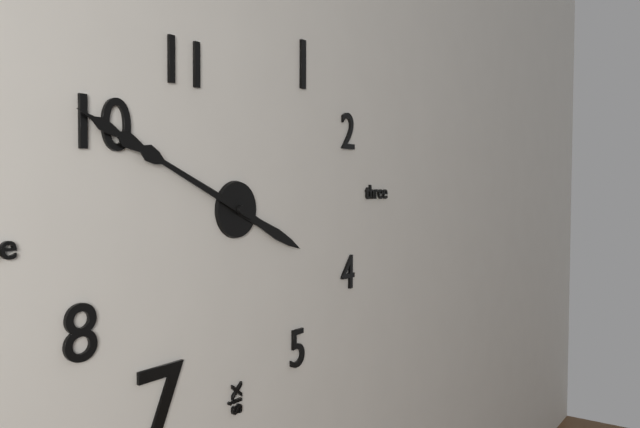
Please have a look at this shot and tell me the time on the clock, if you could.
3:49
